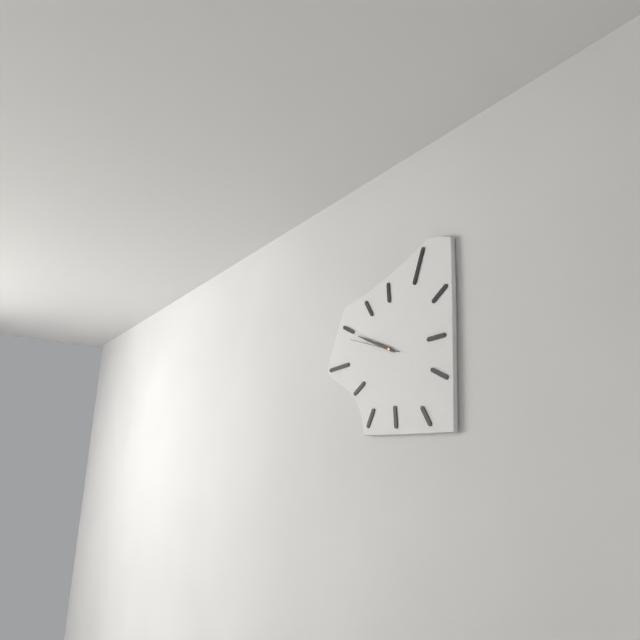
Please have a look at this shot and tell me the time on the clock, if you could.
9:49
